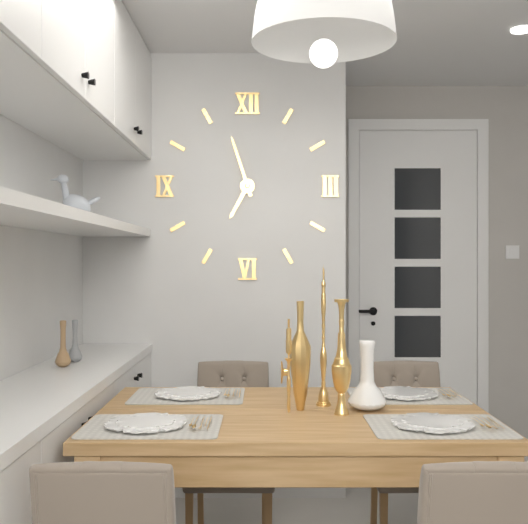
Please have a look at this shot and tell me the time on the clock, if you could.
6:57
